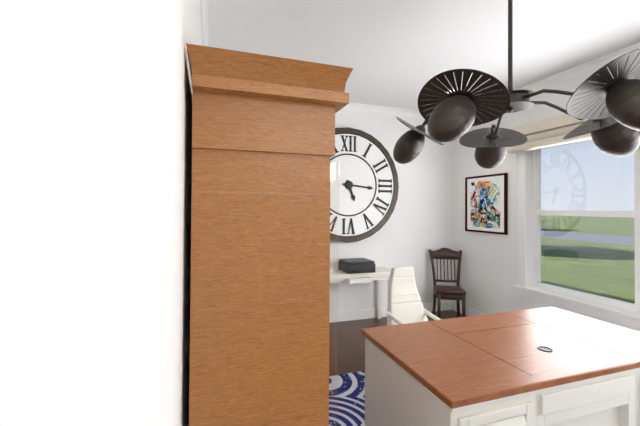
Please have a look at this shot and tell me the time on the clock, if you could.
5:16
